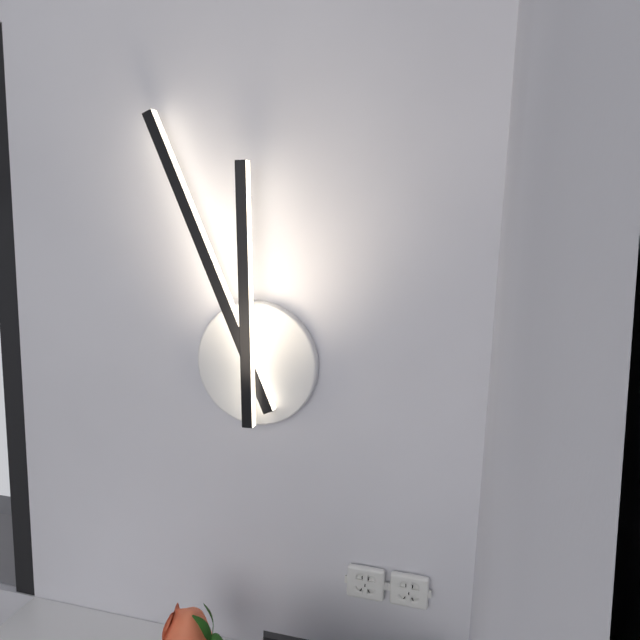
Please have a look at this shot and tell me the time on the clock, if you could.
11:56
